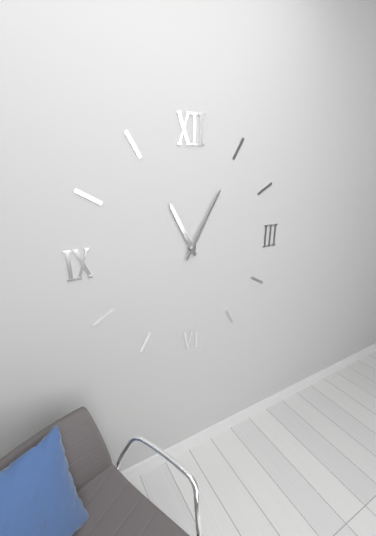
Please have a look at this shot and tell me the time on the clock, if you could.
11:05
